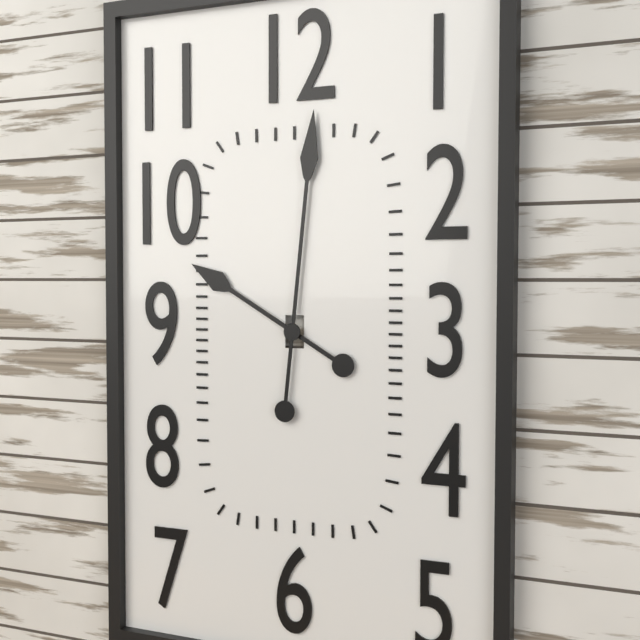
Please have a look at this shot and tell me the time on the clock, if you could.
10:01
